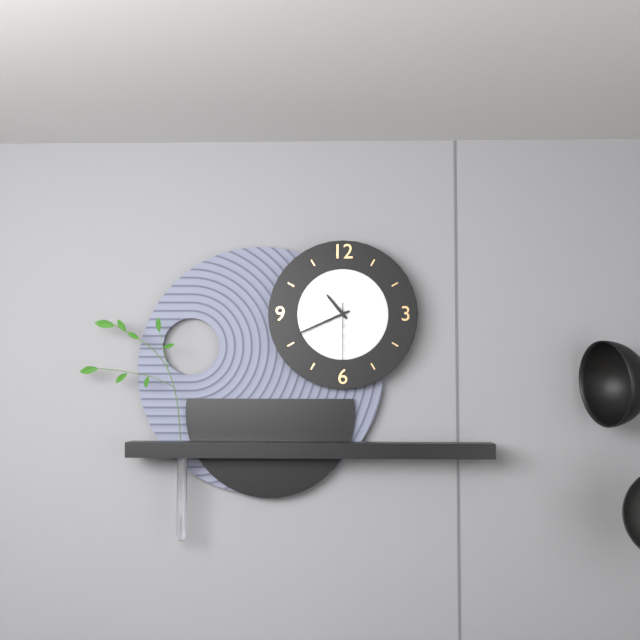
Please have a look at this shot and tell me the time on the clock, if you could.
10:41:30
